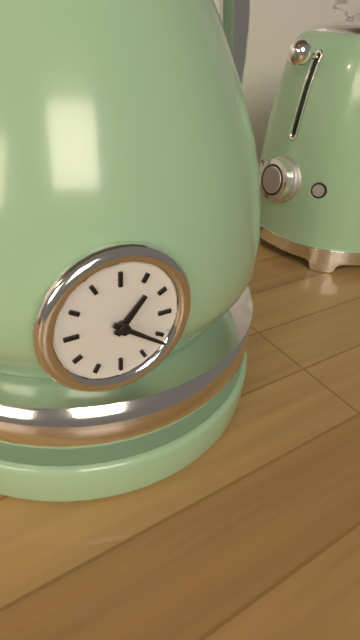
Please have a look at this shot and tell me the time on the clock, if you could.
1:21
